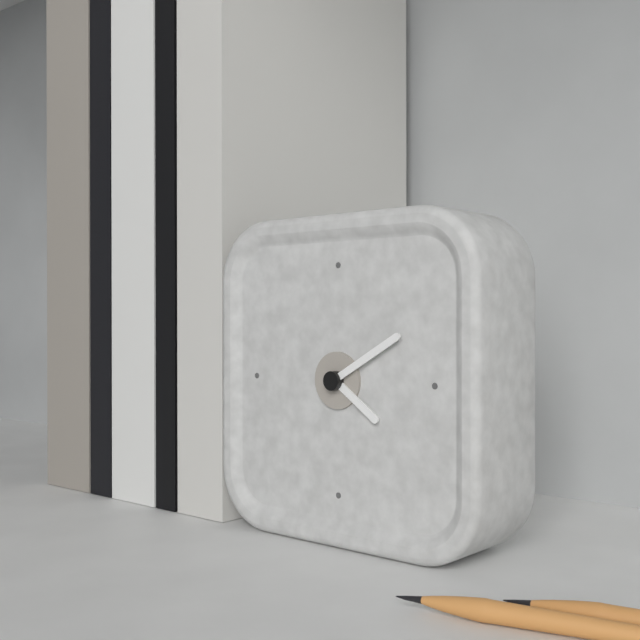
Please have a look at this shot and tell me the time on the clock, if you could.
4:10
